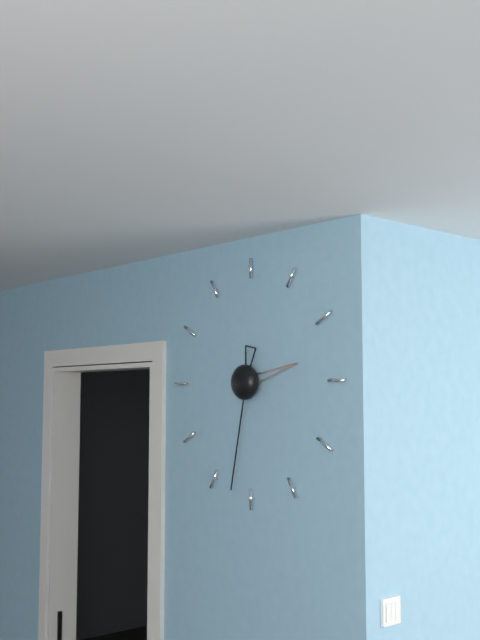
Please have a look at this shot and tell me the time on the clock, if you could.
2:32
